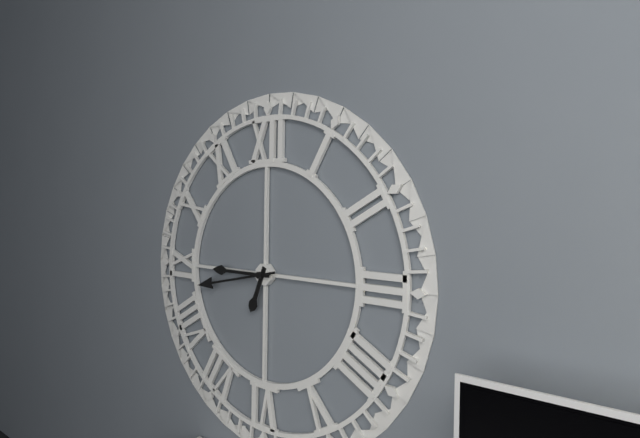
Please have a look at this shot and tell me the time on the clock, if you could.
6:43:45
